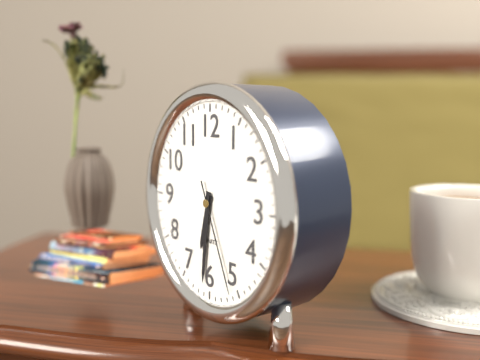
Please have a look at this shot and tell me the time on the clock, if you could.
6:31:26
